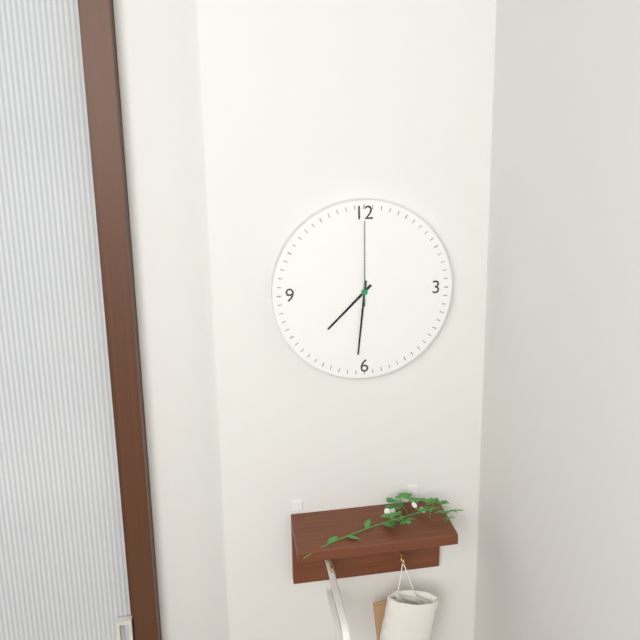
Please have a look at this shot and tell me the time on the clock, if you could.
7:31:00
